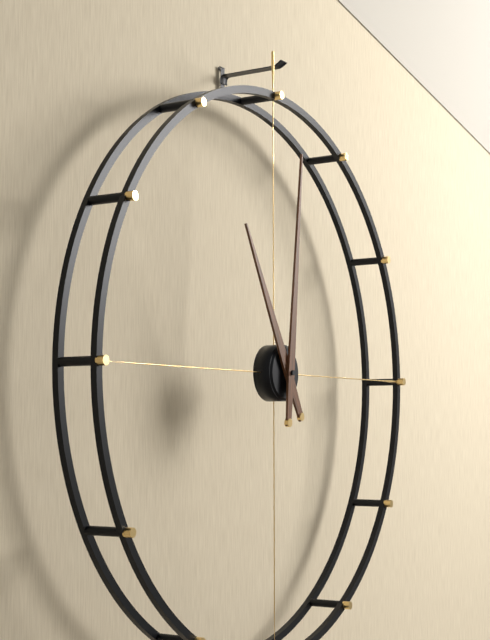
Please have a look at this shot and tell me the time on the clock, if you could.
11:01
